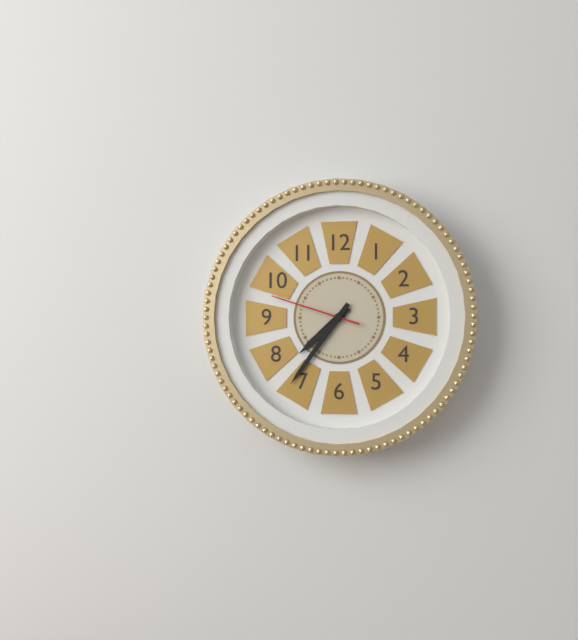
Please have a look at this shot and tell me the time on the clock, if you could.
7:36:48
